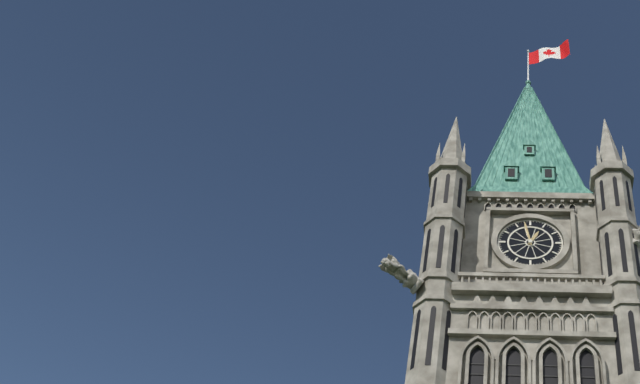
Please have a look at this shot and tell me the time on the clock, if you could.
12:58
